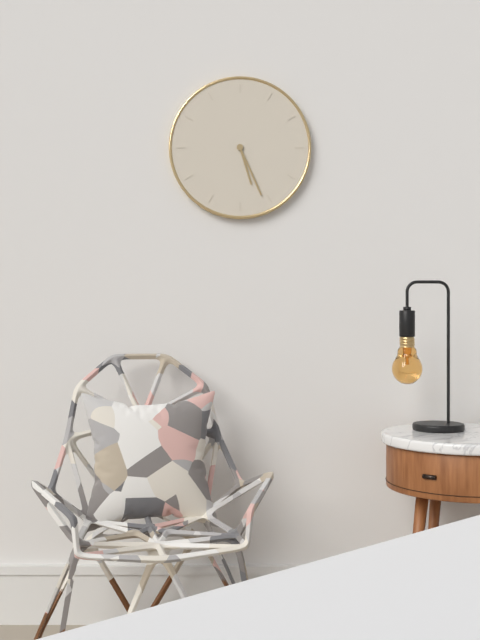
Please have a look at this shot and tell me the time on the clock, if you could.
5:26
